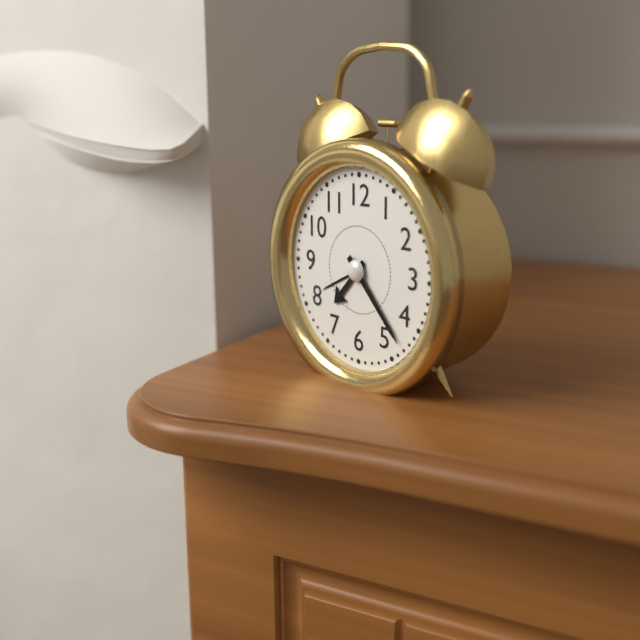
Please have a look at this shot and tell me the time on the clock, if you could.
7:23
